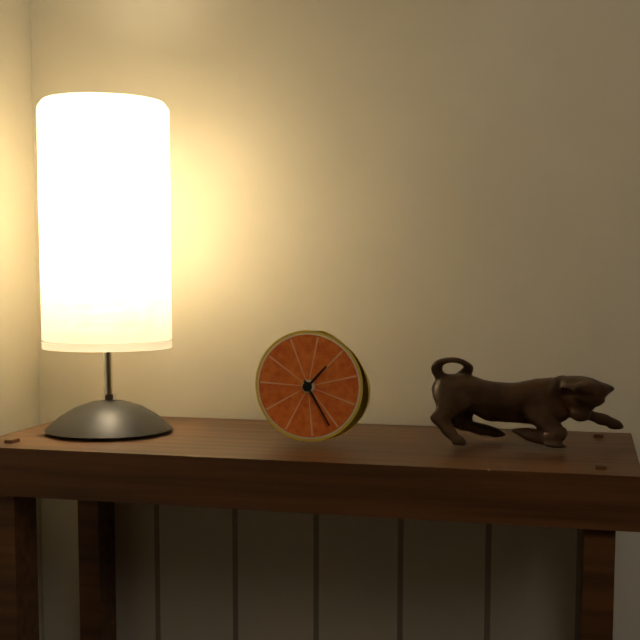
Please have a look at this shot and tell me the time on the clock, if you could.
1:25
